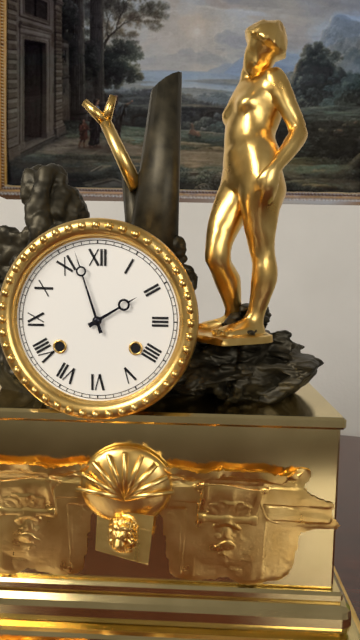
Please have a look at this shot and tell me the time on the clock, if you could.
1:57
